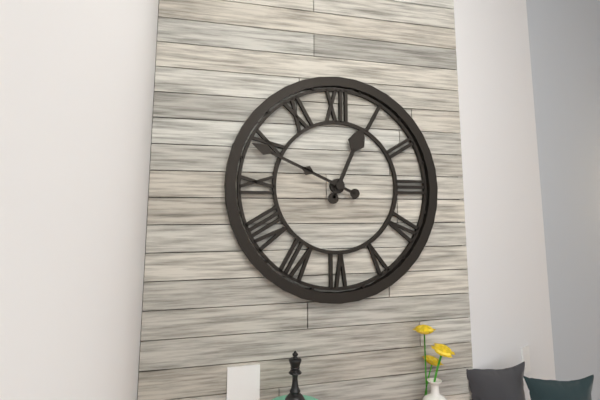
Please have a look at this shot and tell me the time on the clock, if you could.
12:49
